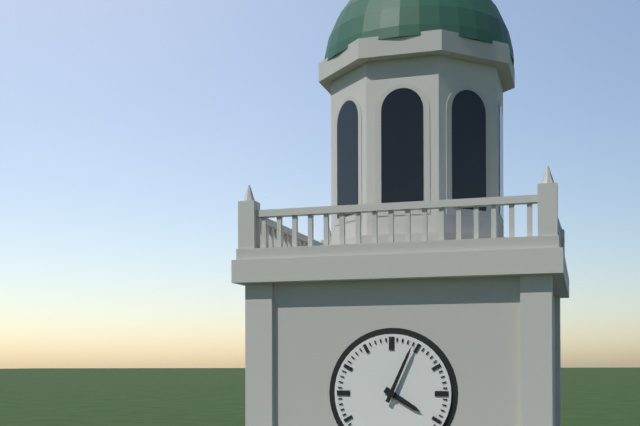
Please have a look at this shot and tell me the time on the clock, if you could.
4:04
